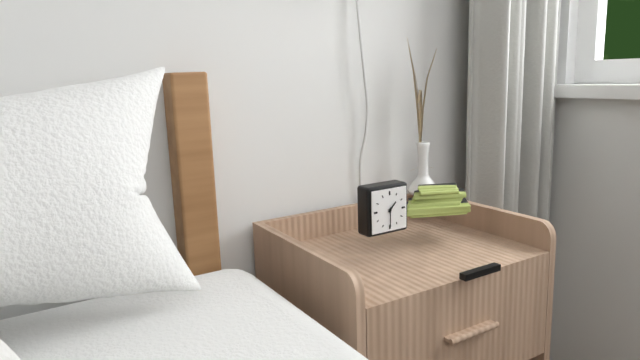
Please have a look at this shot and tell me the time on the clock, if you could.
1:30
